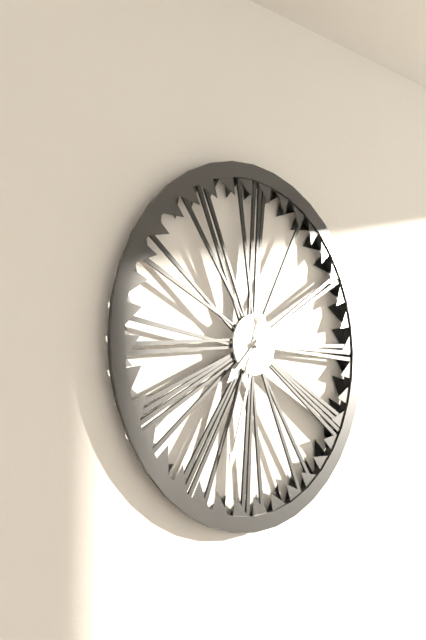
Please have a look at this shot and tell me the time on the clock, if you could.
7:33
